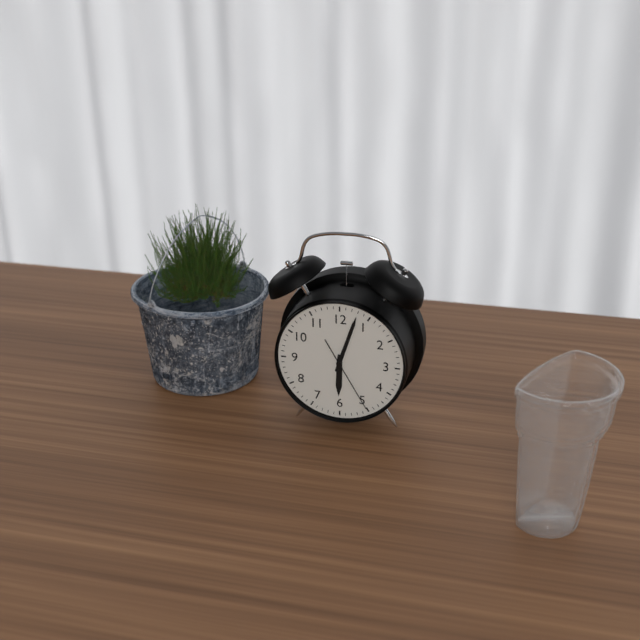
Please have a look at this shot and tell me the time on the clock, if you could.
6:03:25
